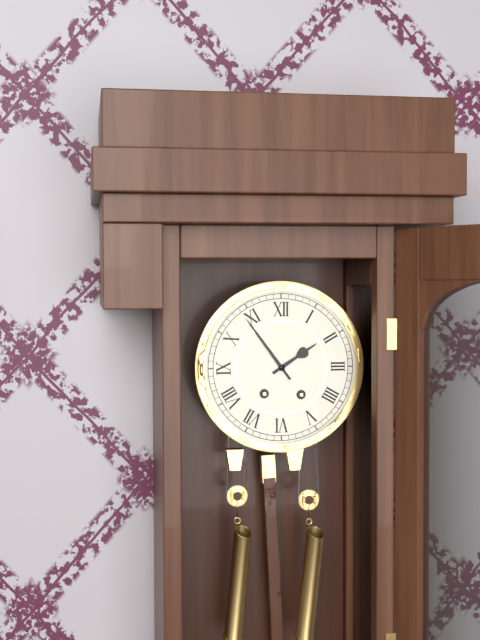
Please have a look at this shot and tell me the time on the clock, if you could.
1:54
